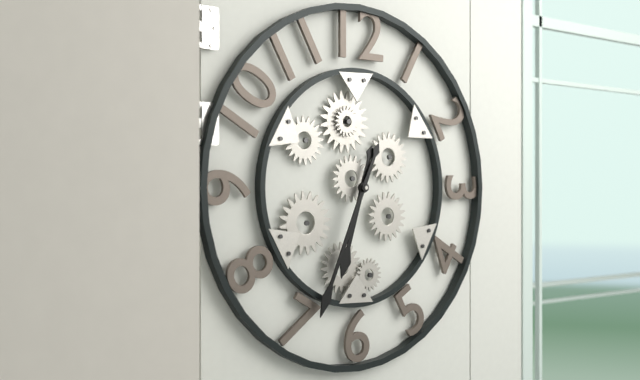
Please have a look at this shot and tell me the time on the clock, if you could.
6:34
